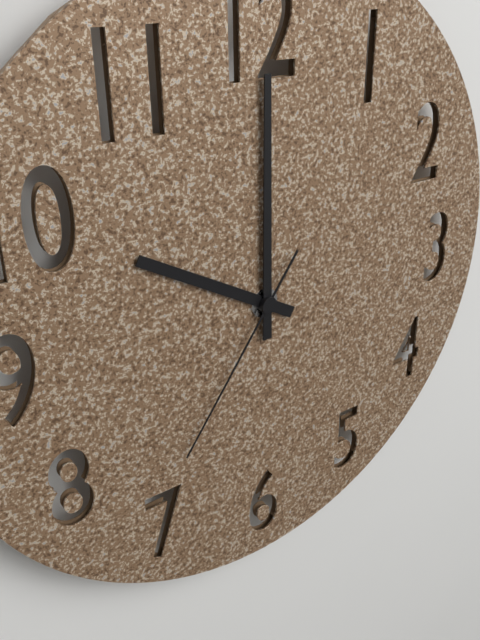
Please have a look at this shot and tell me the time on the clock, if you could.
10:00:36
